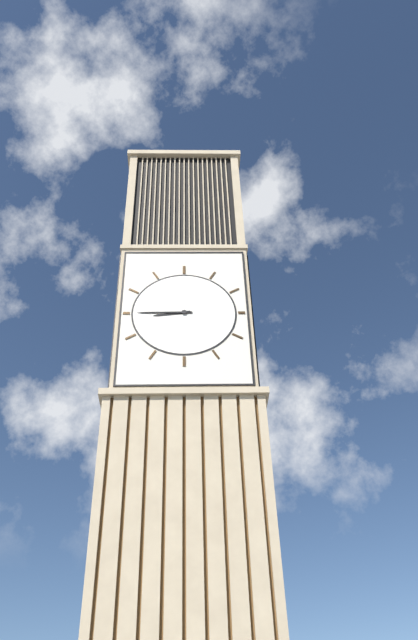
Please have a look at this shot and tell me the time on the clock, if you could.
8:45
